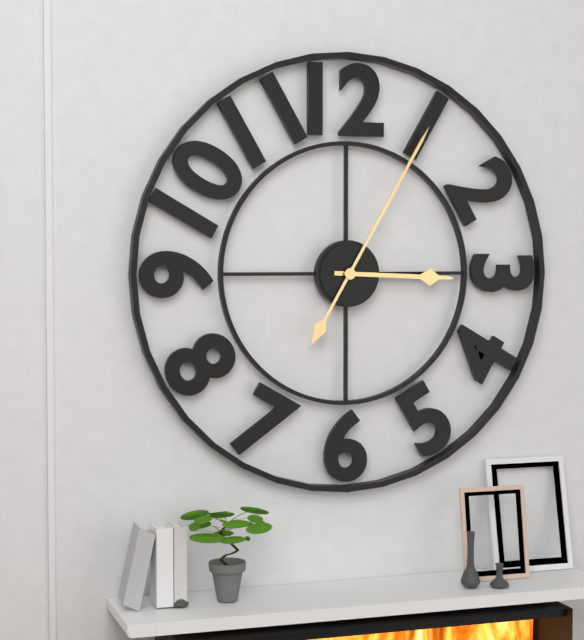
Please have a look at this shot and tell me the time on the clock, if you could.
3:05
